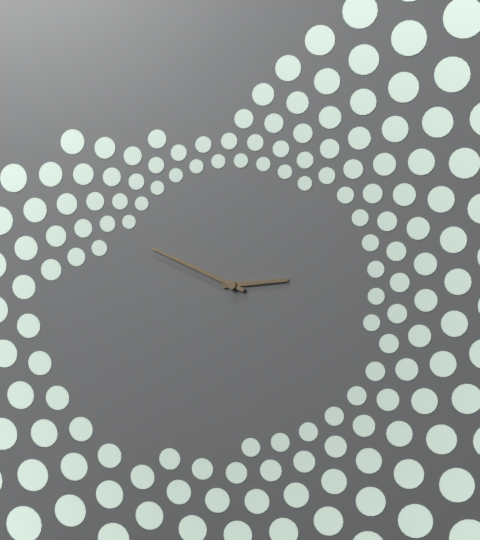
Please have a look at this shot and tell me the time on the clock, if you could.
2:49
